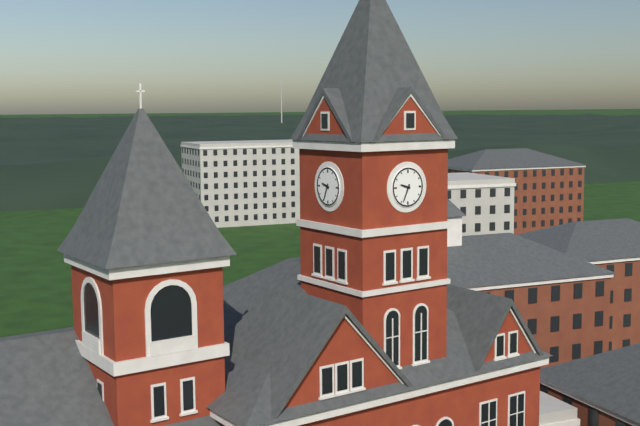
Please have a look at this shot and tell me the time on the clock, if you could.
9:34
